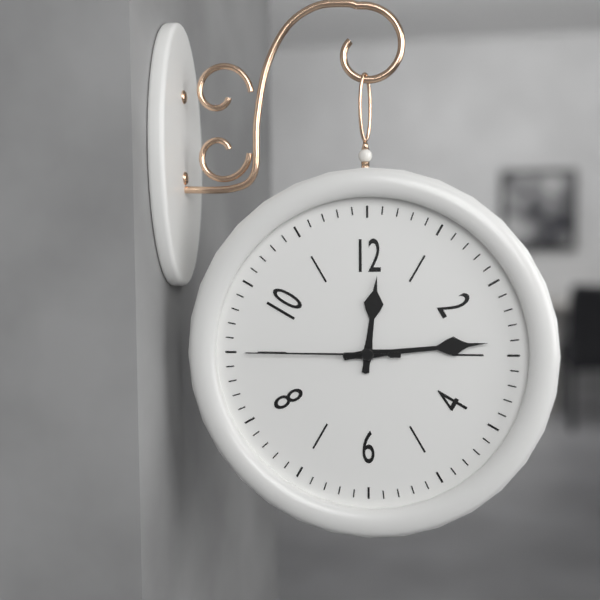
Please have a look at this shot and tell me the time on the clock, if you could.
12:14:45
